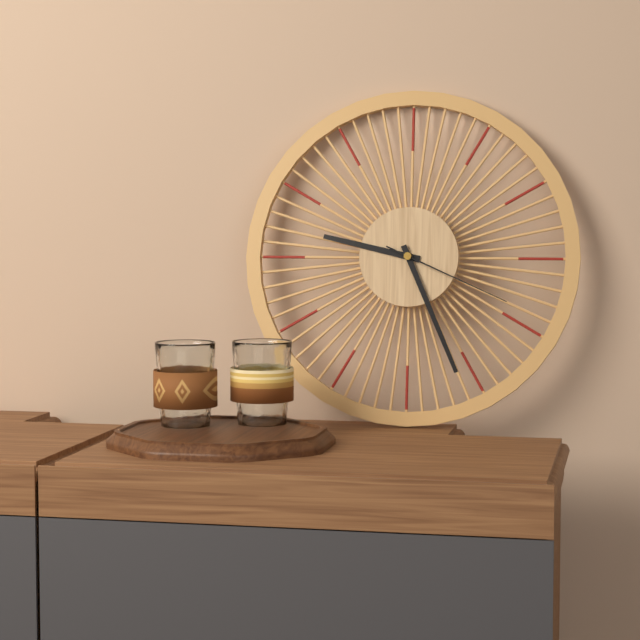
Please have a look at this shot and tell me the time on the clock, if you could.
9:26:19
